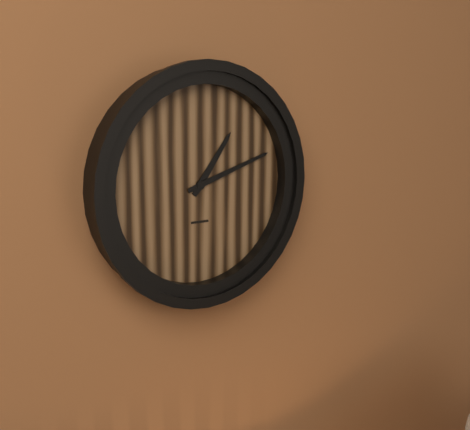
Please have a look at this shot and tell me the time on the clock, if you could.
1:12
